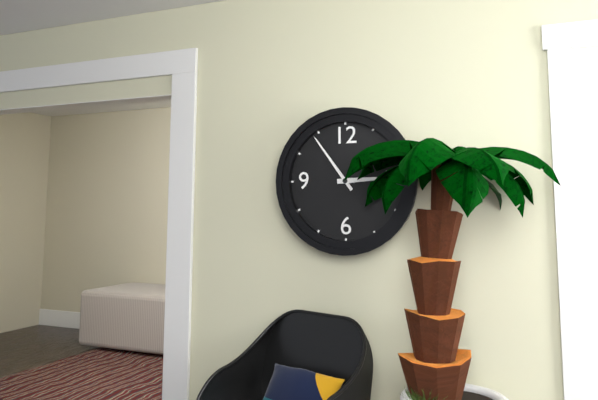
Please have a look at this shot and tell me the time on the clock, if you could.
2:54
